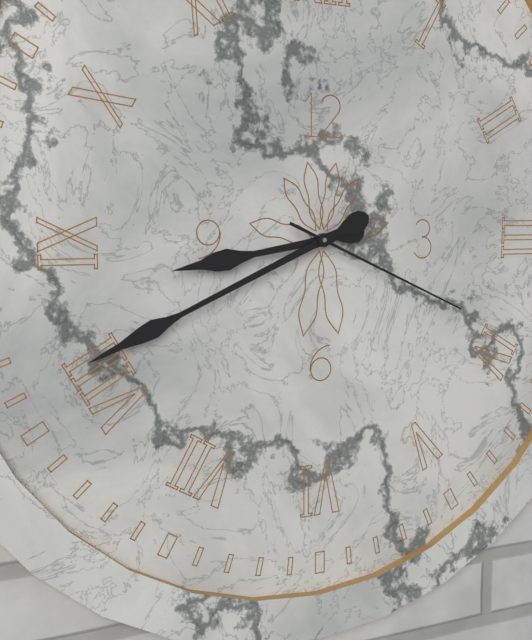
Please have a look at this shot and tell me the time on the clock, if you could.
8:41:19
